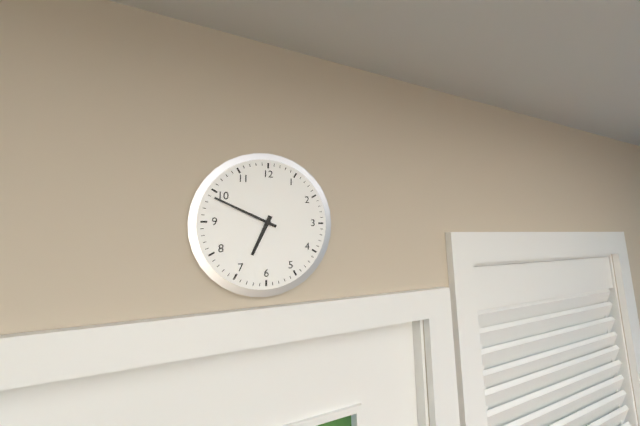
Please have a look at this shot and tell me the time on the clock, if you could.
6:49
